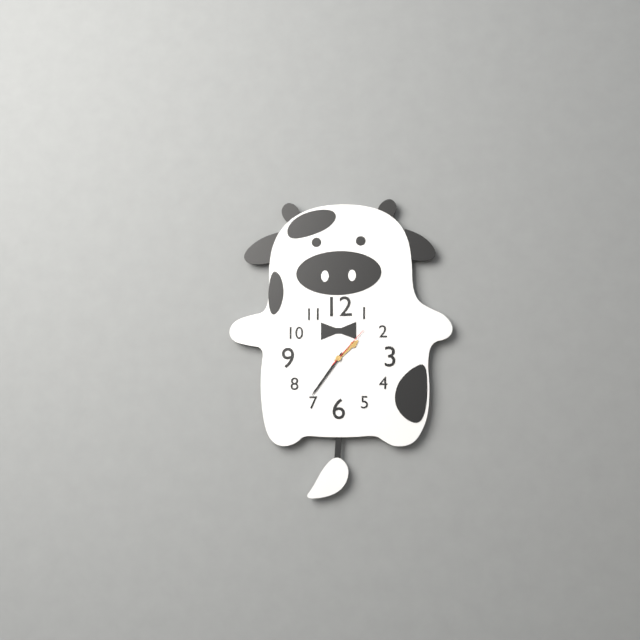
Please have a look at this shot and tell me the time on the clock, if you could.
1:36
